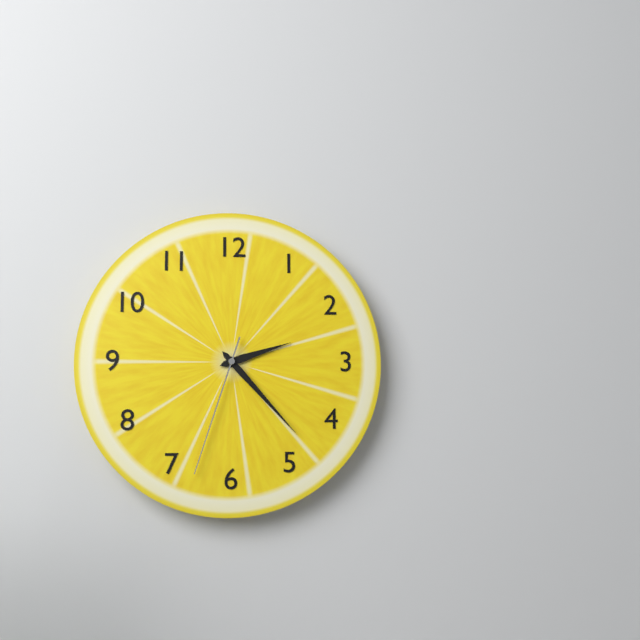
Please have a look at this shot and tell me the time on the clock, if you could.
2:23:33
